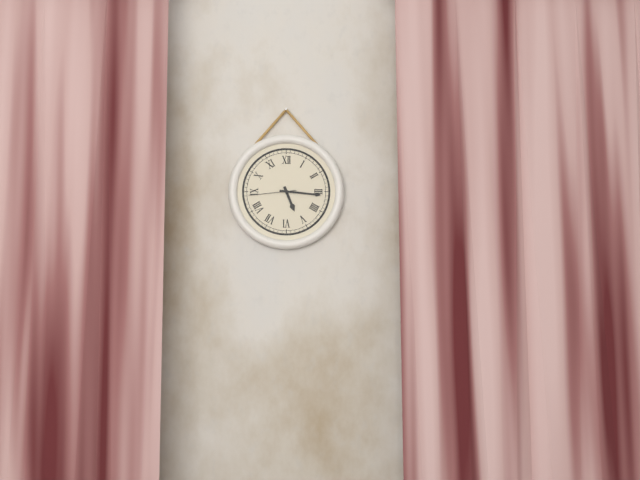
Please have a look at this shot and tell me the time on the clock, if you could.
5:16
